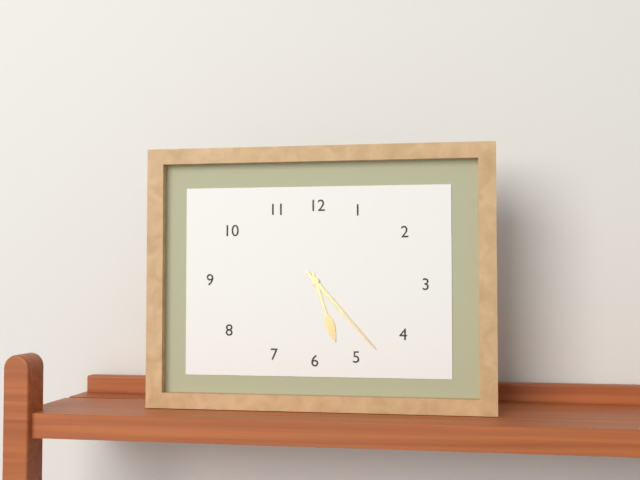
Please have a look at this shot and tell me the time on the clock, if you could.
5:23
